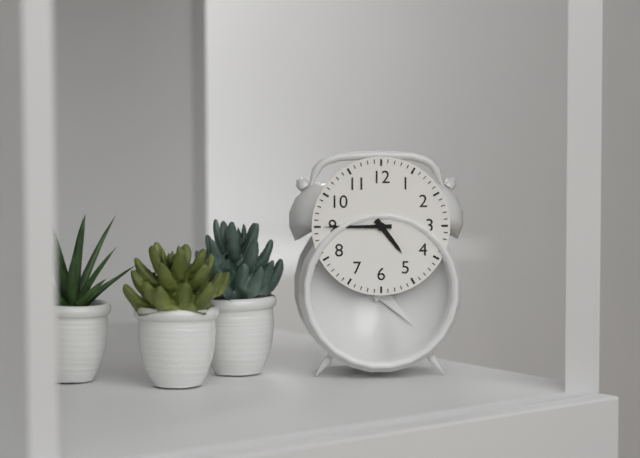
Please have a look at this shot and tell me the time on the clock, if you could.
4:45
